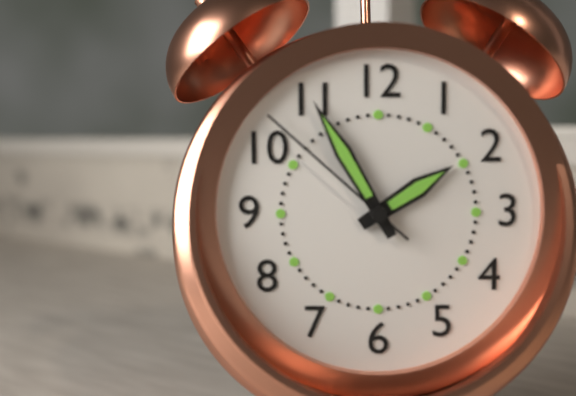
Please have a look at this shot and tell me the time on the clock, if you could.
1:55:52
